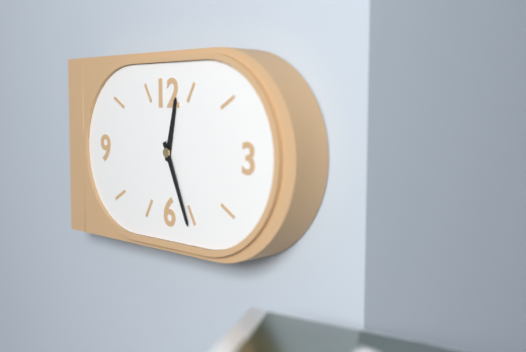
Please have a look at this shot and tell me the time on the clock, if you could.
12:26
